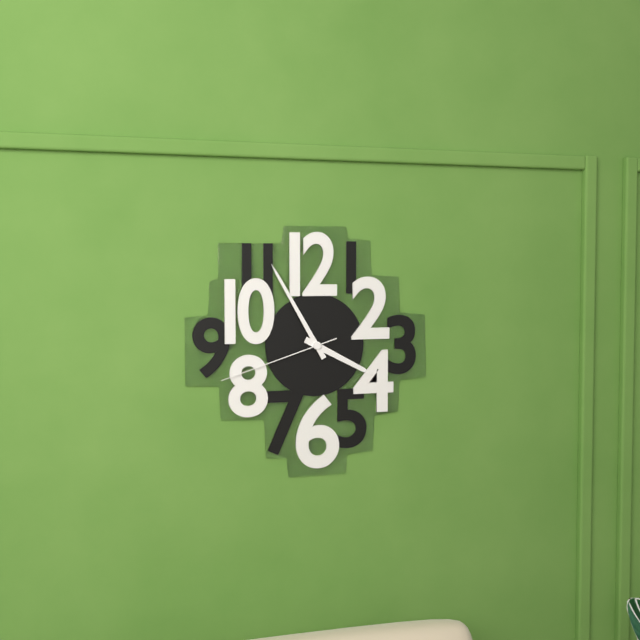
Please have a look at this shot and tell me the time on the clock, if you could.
3:55:42
